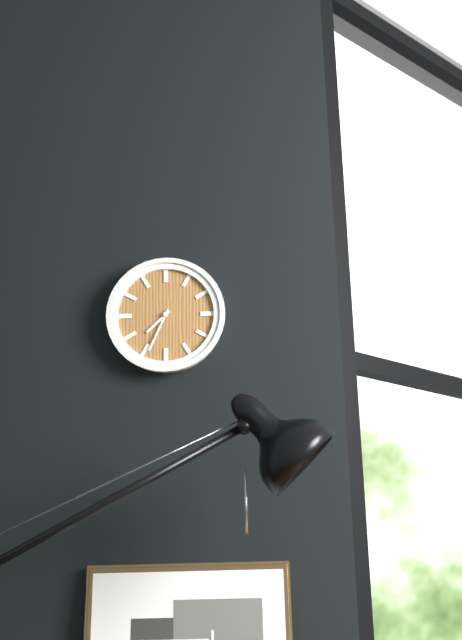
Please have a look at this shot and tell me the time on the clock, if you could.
7:34
